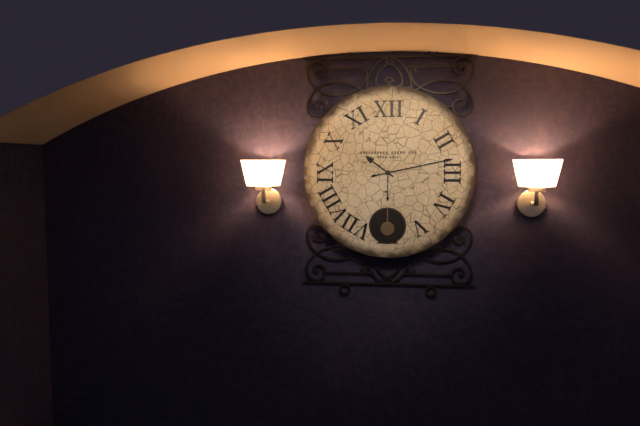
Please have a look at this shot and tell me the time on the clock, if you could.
10:13
